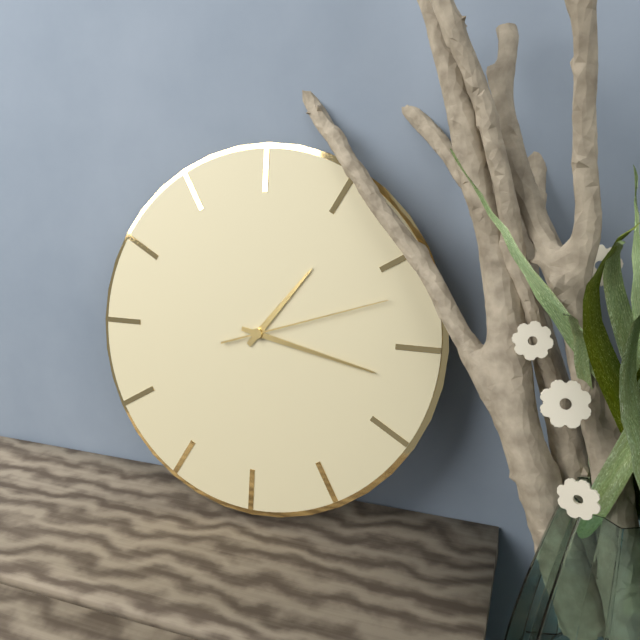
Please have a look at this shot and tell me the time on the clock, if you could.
1:17:12
